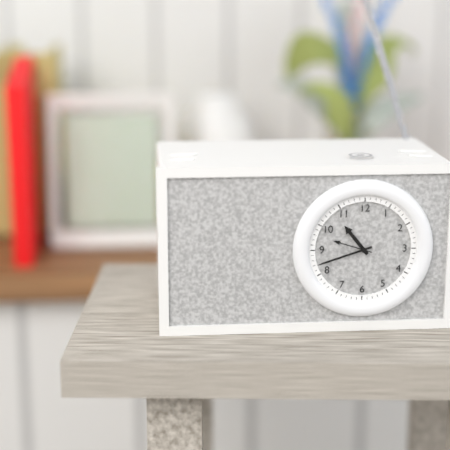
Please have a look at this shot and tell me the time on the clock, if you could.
10:42
